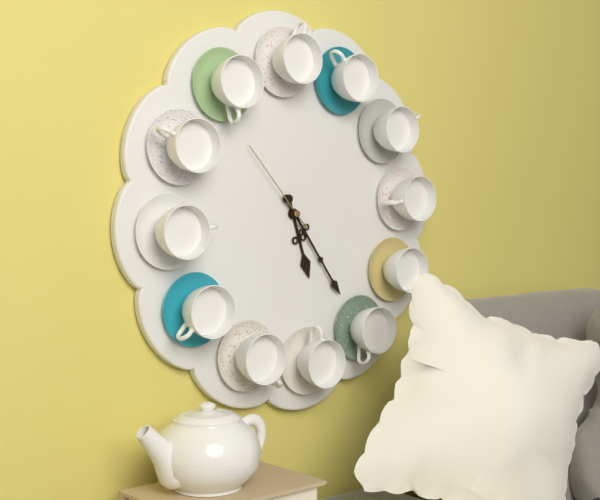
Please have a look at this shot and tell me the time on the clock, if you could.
5:24:53
